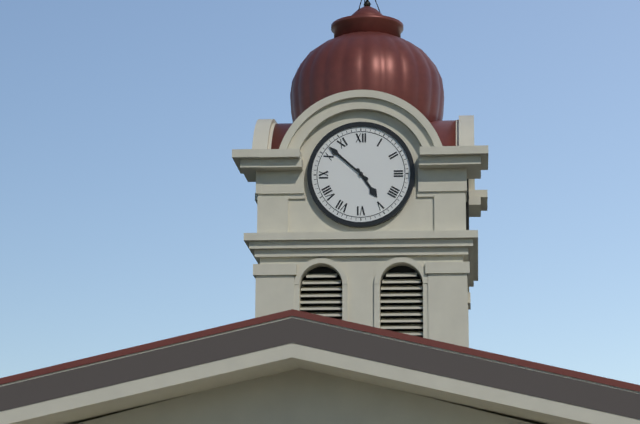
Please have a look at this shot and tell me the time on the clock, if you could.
4:52
